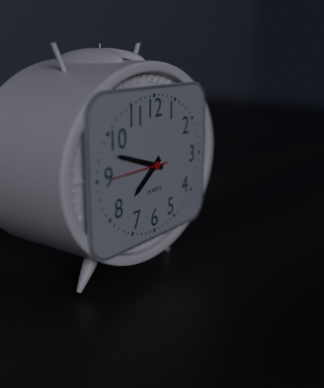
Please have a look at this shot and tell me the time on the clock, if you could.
7:48:45
